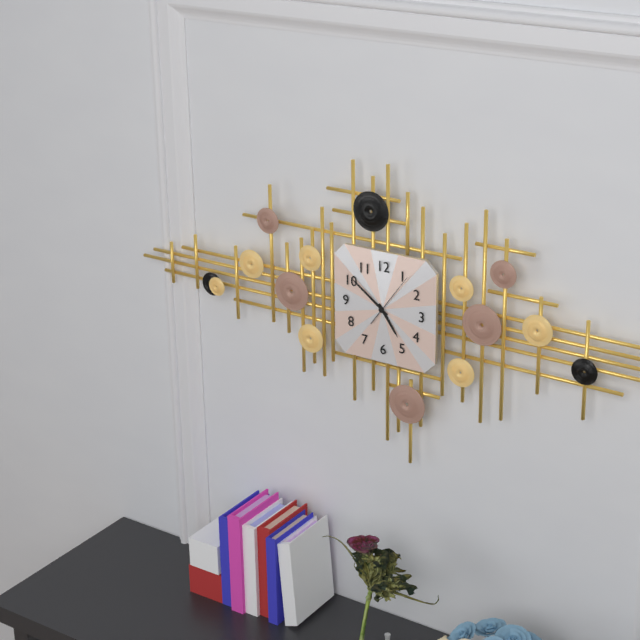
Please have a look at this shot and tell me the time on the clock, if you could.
4:51:06
